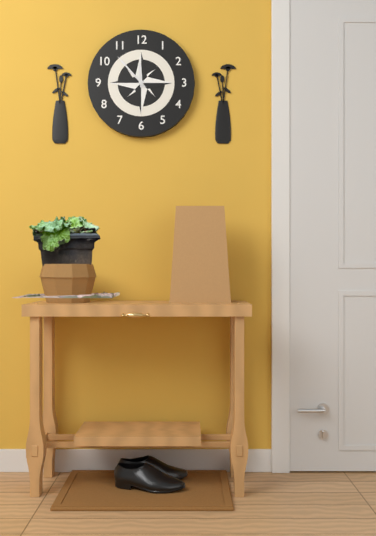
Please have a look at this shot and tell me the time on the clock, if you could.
11:53
